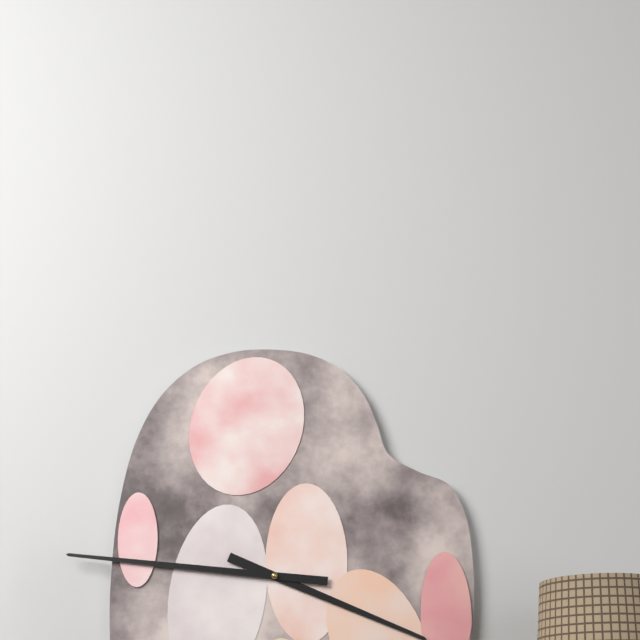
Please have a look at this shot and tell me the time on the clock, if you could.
3:46
